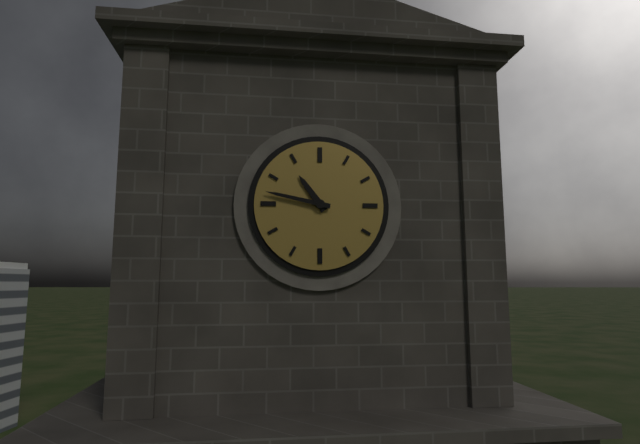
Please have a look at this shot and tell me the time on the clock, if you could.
10:47
